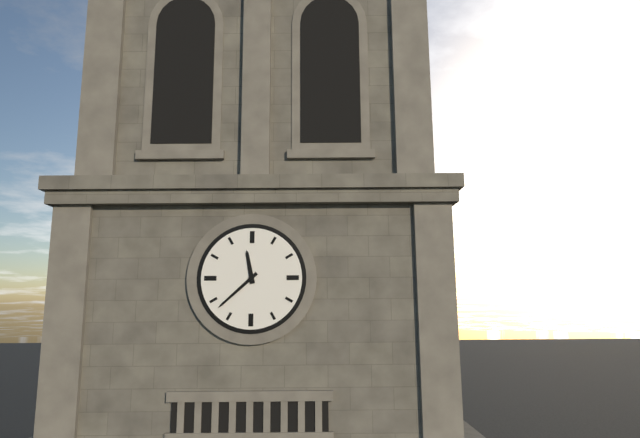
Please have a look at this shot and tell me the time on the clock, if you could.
11:38
